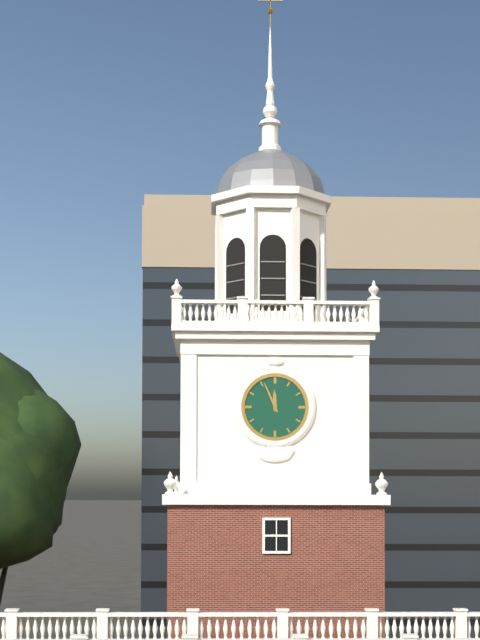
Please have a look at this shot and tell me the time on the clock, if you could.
11:56
